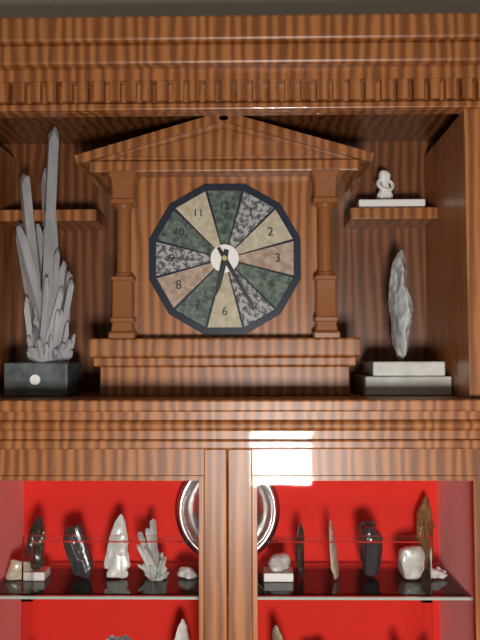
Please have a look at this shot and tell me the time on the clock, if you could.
6:25
